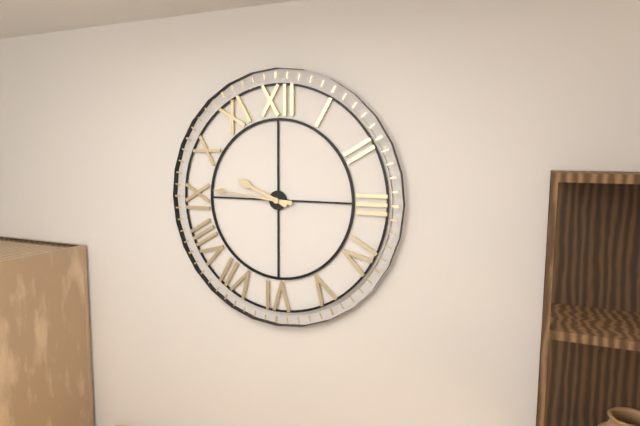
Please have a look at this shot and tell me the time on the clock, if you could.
9:46
